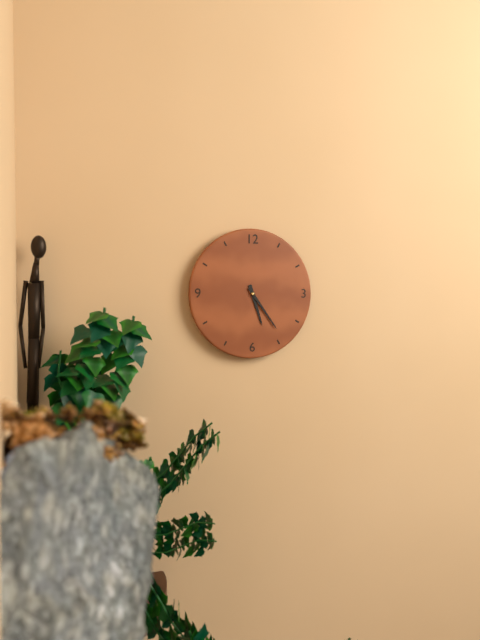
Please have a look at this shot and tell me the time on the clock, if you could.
5:24
